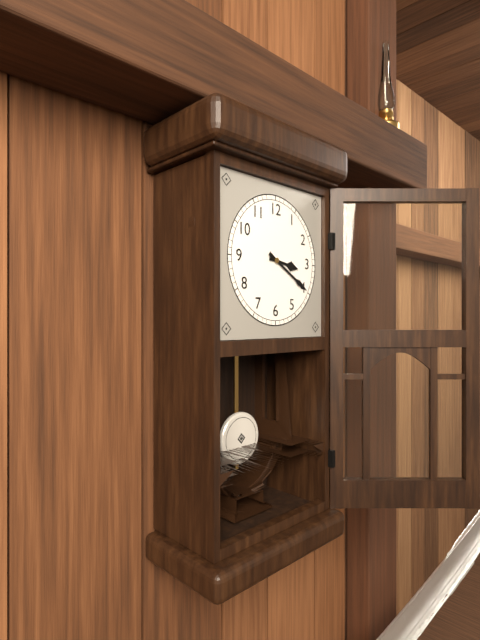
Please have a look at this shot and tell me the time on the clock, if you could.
3:20
